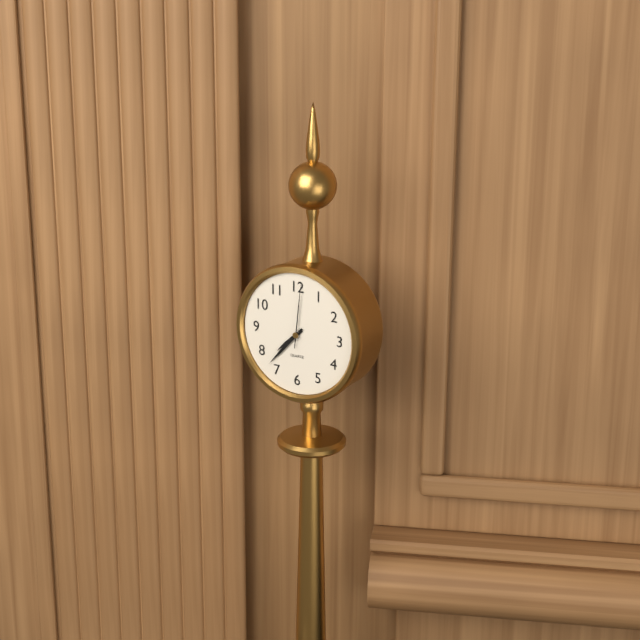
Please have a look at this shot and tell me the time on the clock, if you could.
7:37:01
